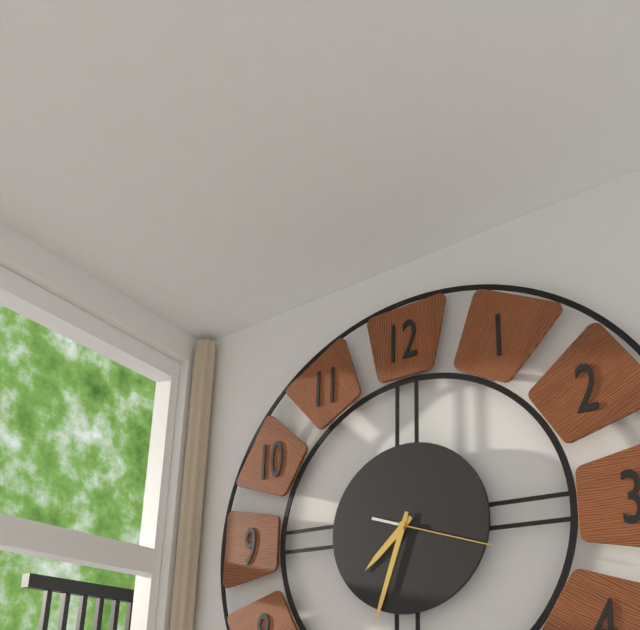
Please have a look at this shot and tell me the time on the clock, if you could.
7:33:18
